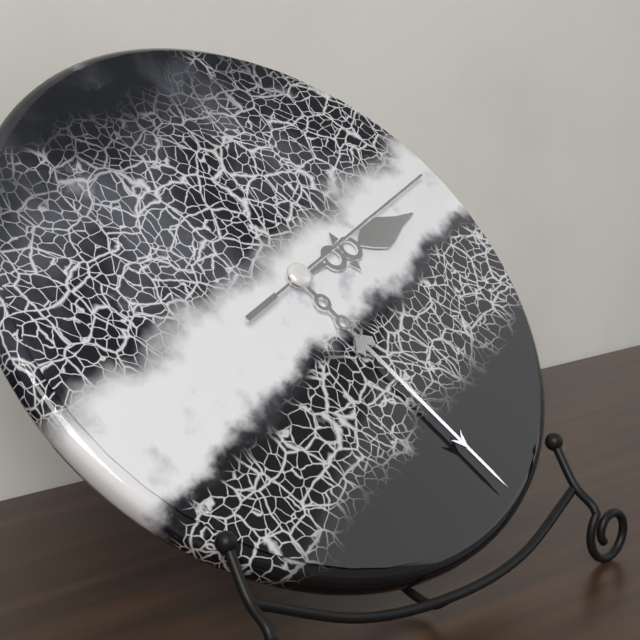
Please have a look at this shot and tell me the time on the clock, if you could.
2:26:11
